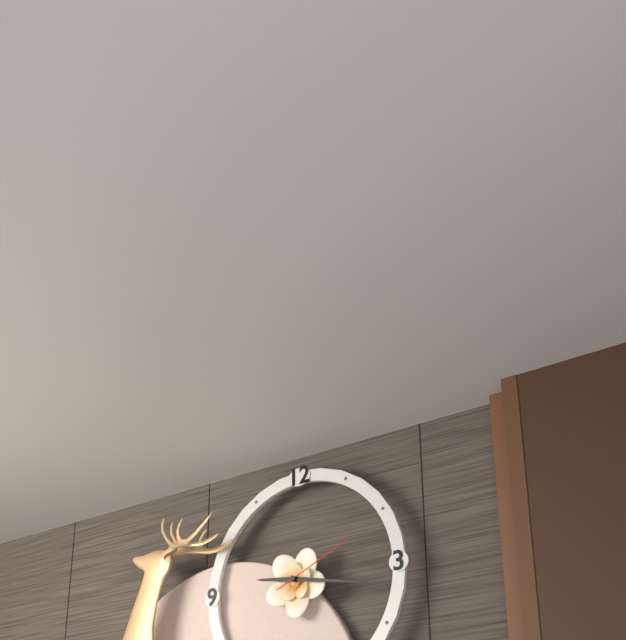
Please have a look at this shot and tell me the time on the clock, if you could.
9:17:11
